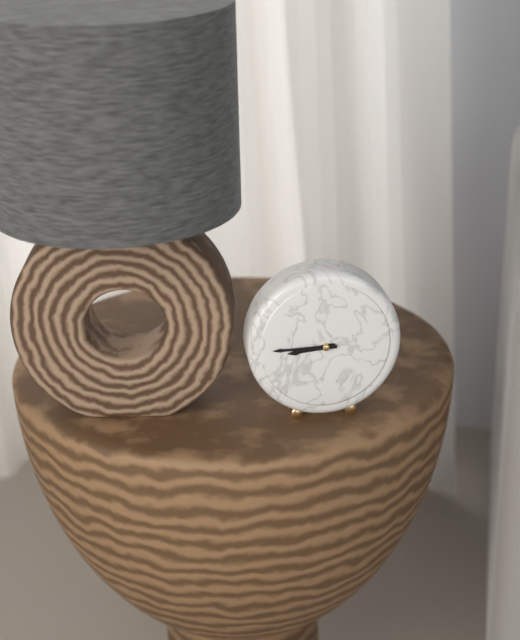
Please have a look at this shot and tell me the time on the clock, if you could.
8:45
